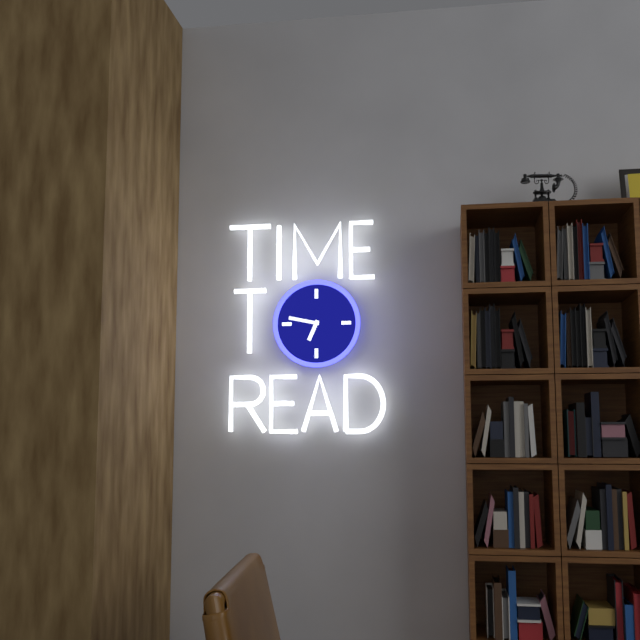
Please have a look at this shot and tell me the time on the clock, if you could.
6:47
